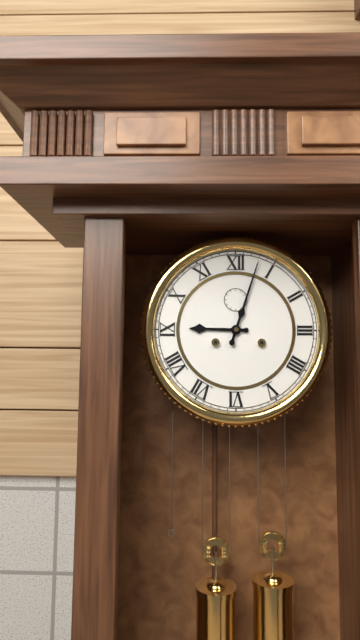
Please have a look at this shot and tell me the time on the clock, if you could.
9:03
